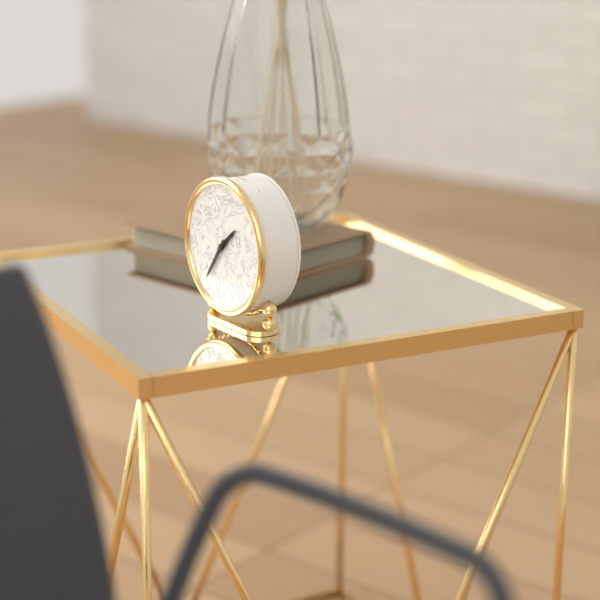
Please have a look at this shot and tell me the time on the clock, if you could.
1:36
